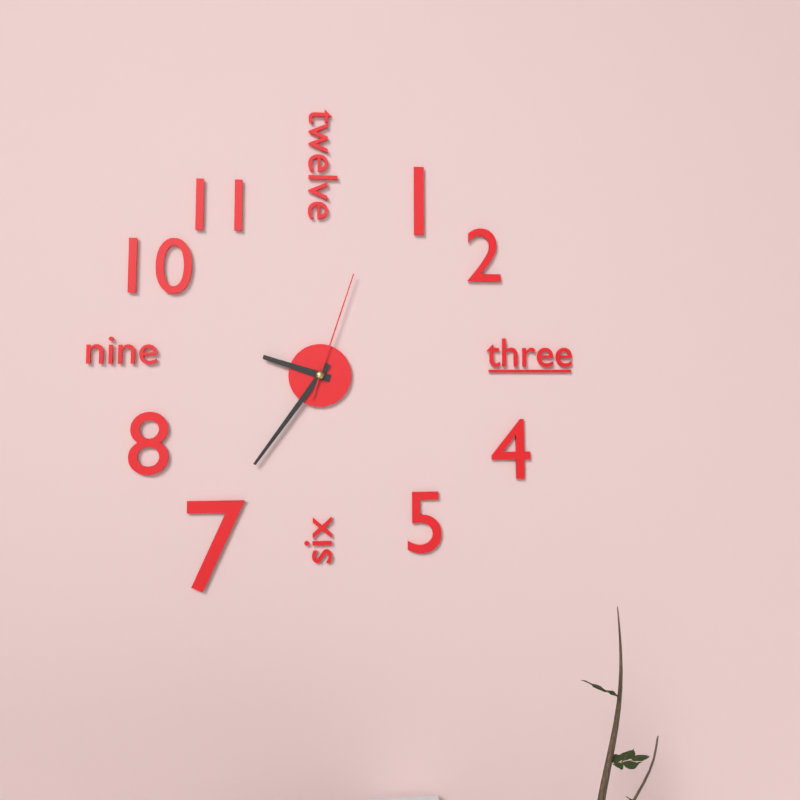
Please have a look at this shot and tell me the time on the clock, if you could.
9:36:03
